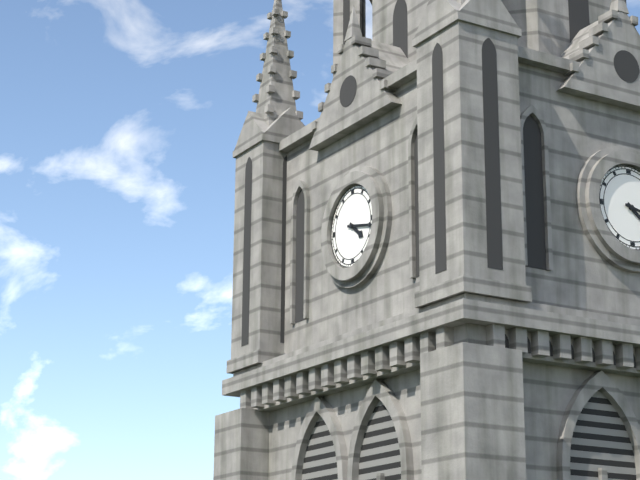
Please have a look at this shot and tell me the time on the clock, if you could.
4:17
